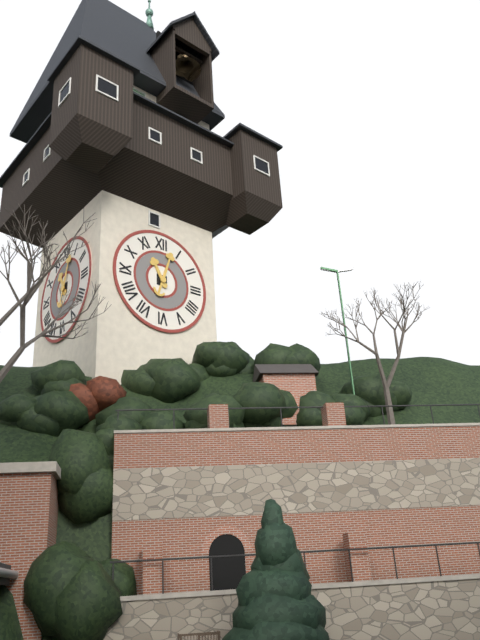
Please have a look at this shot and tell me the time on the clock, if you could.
11:03
